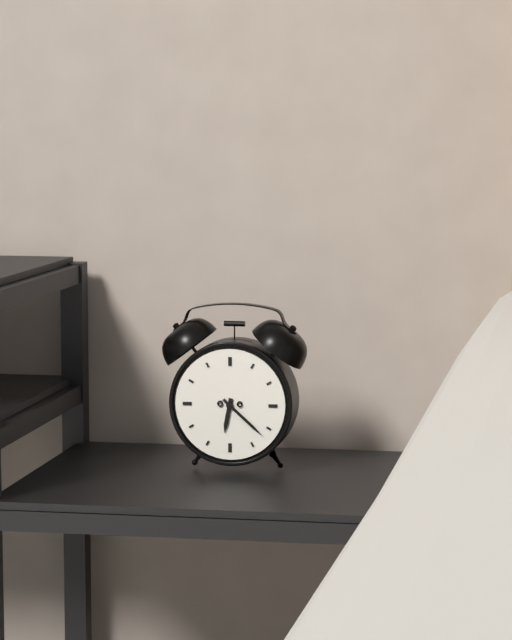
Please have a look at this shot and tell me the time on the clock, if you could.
6:22
